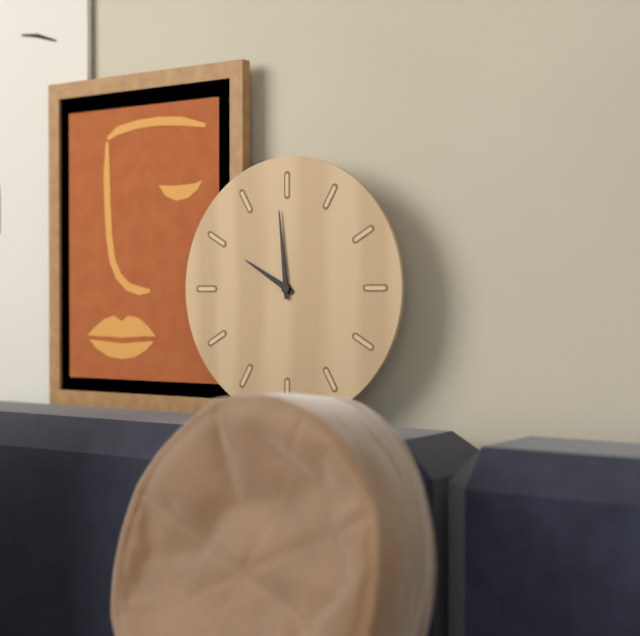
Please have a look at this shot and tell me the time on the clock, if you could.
9:59
